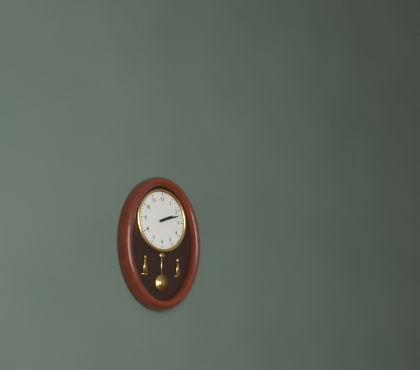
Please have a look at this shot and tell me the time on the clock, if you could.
2:12
